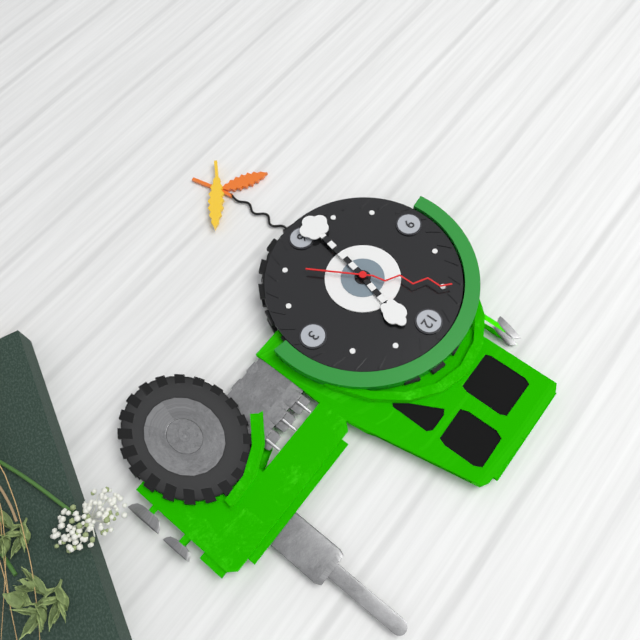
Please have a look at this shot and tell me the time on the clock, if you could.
12:32:55
